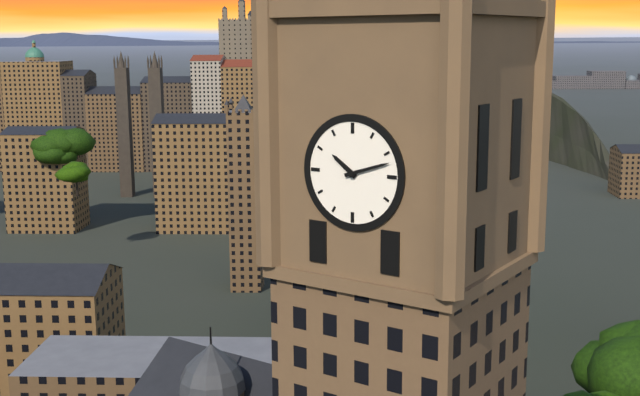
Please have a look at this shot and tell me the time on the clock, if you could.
10:12
